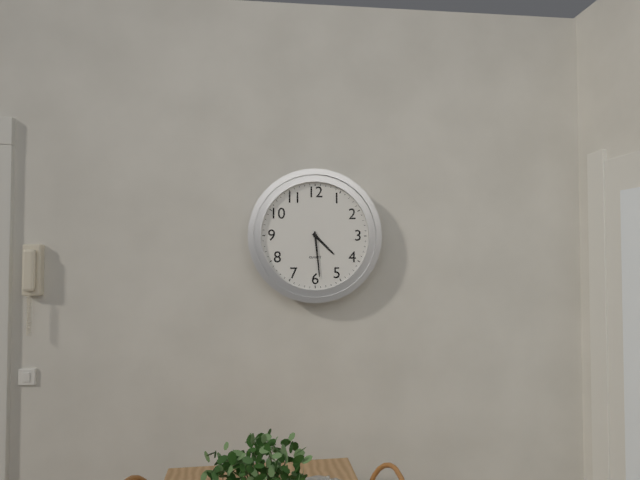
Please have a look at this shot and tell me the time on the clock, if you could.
4:29
